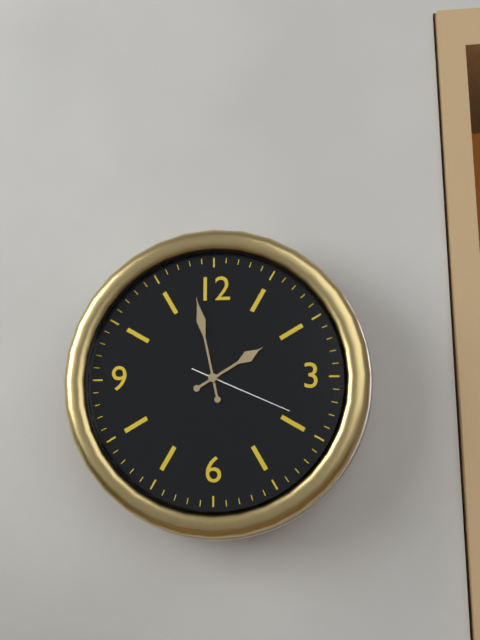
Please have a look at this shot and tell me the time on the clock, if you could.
1:58:19
